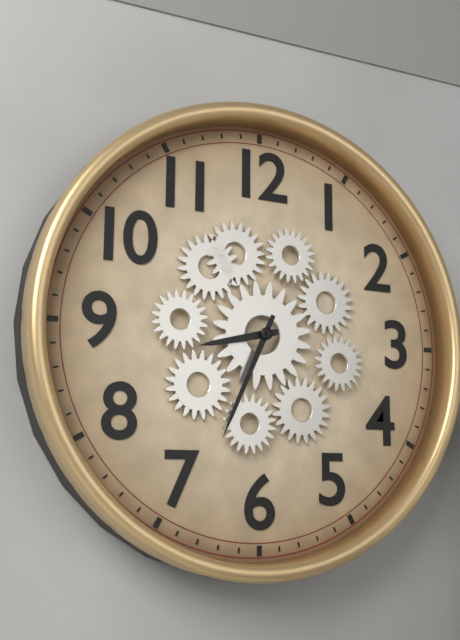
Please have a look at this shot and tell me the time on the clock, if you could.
8:34
